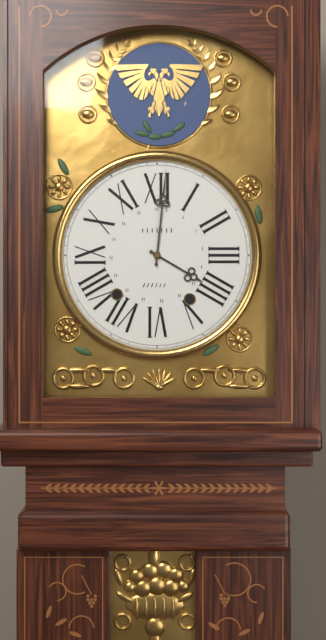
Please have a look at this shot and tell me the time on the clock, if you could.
4:01
